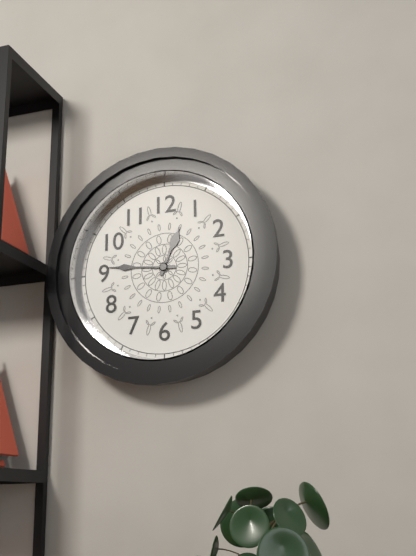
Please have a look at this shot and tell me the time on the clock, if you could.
12:46
